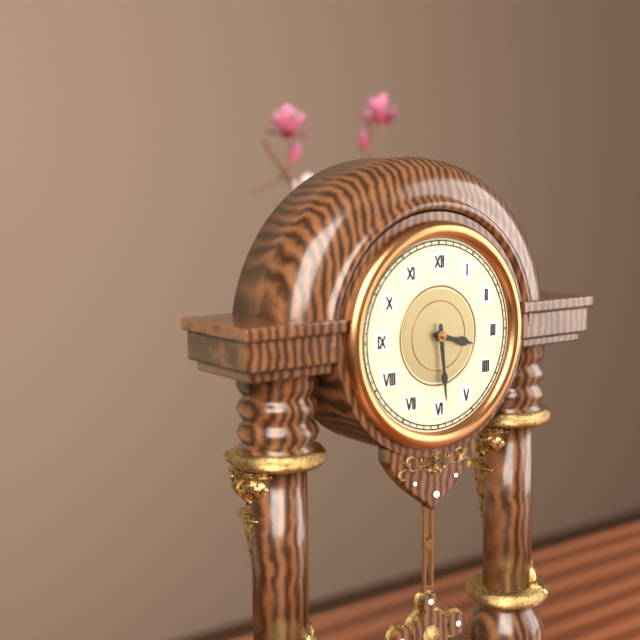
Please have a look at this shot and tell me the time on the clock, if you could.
3:29
